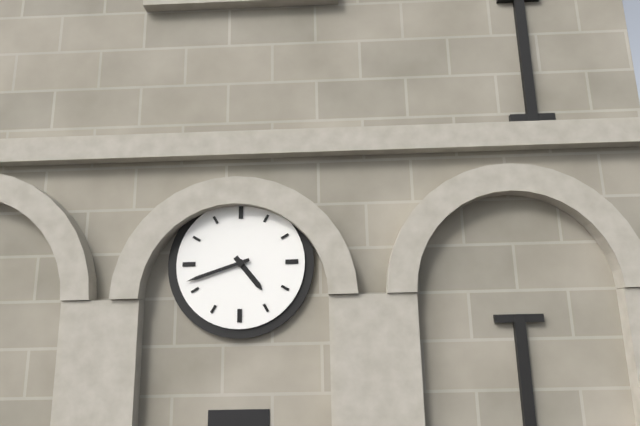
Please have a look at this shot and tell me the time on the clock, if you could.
4:42
